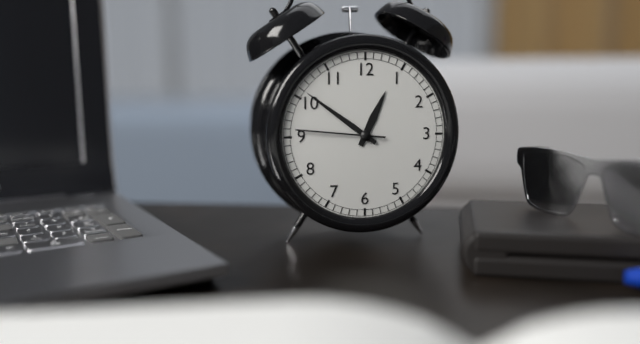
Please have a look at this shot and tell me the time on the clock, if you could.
12:51:46
